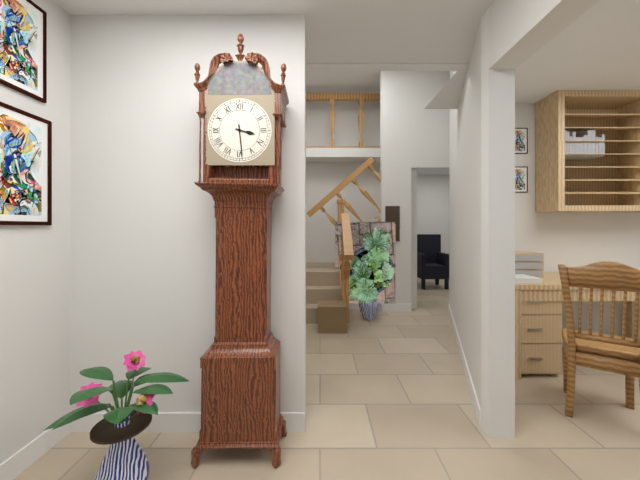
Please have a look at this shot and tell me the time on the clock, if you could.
3:29
